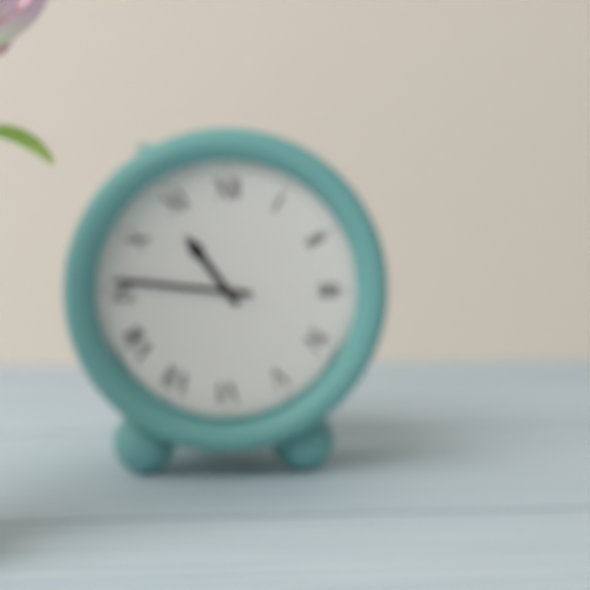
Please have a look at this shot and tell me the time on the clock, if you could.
10:46
